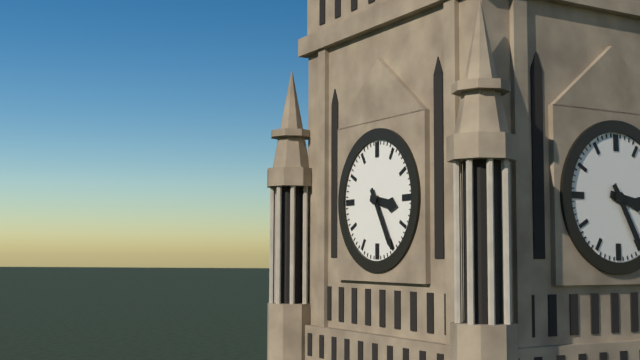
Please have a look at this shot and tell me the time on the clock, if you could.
3:25
